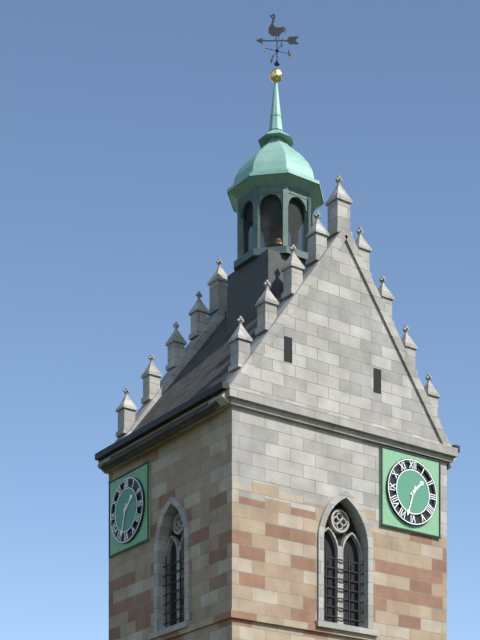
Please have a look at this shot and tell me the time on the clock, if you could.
1:33
